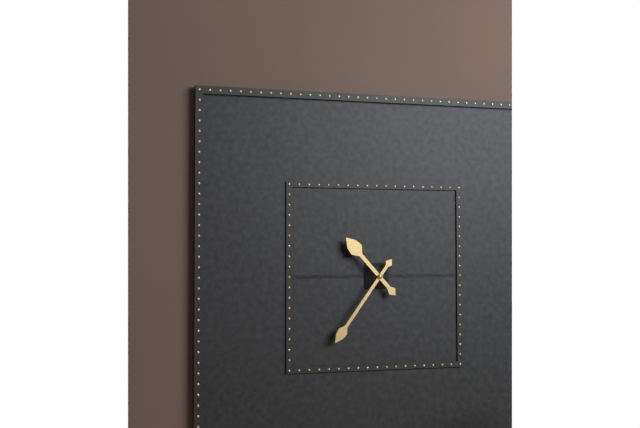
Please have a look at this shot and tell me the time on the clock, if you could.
10:36
